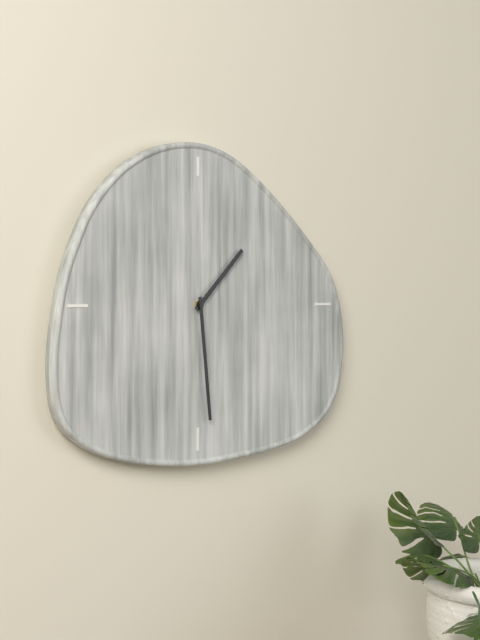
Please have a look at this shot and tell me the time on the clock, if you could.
1:29
